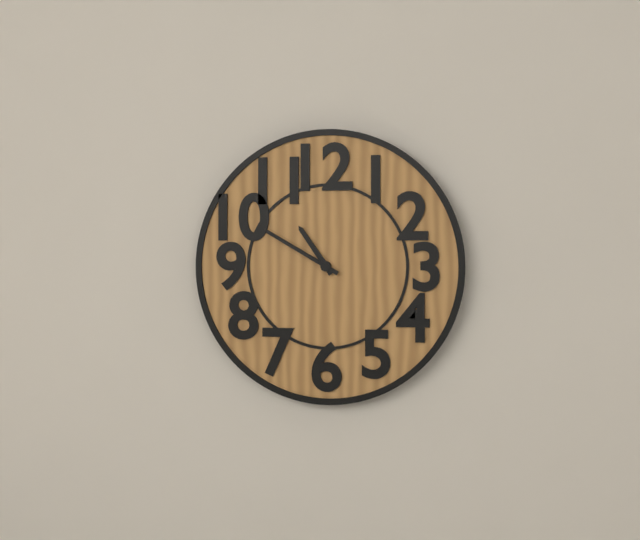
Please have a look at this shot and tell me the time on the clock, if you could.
10:50
